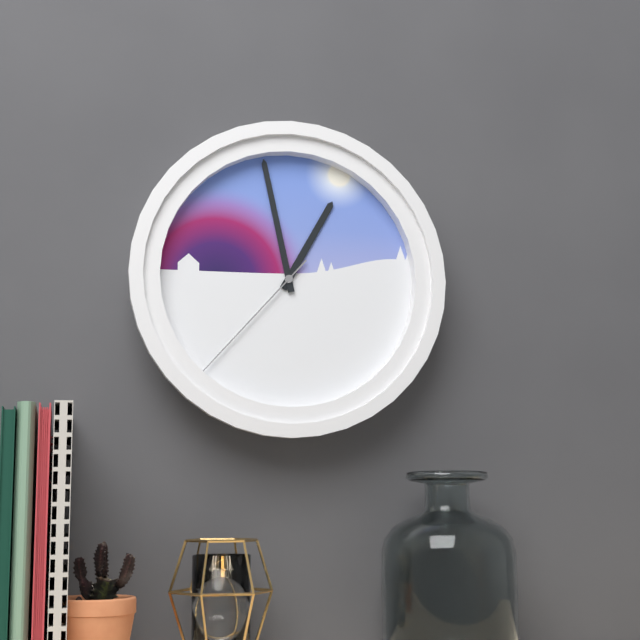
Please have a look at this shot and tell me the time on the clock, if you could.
12:58:37
